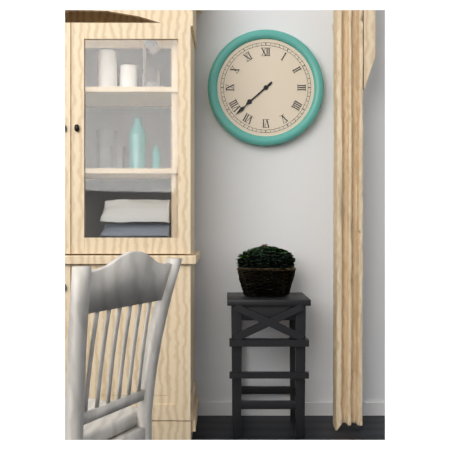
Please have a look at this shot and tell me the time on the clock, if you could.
7:38
